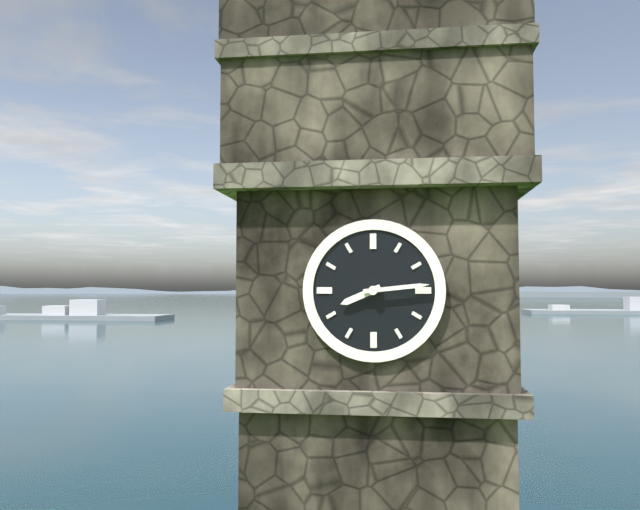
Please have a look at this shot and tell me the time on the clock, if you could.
8:14
